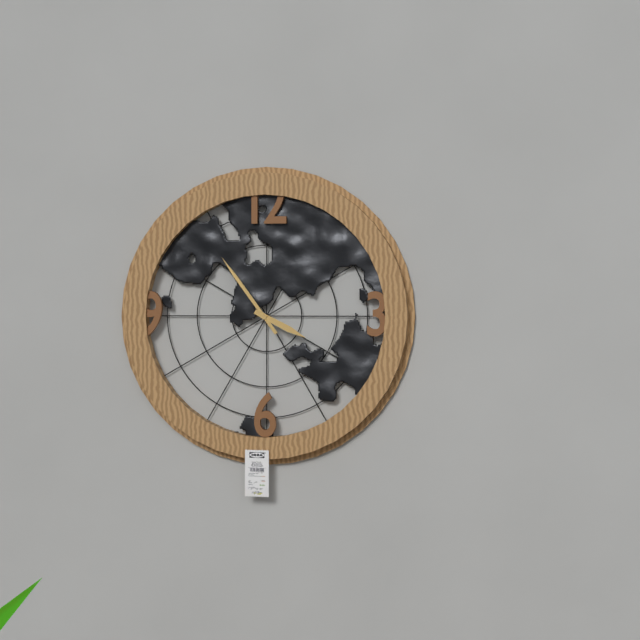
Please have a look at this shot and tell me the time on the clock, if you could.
3:54
